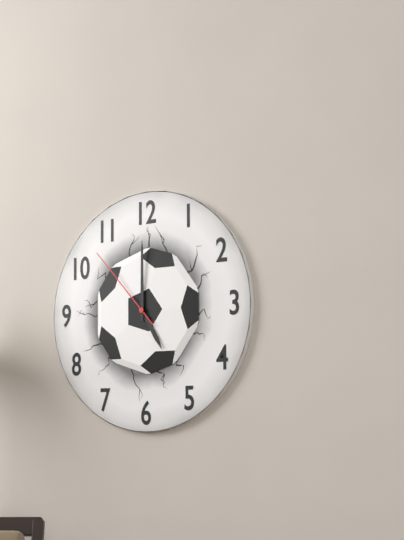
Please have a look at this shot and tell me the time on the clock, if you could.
5:00:53
